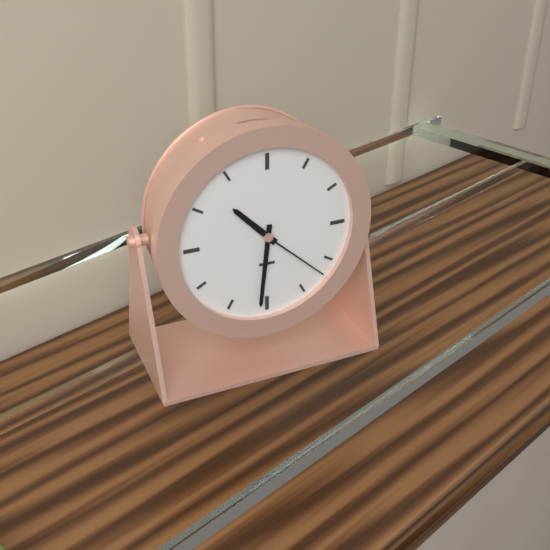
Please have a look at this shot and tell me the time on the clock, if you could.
10:31:22
